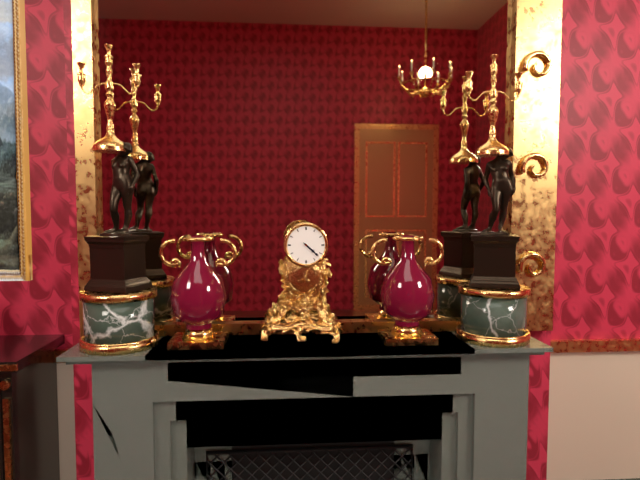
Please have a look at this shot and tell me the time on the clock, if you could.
4:22
